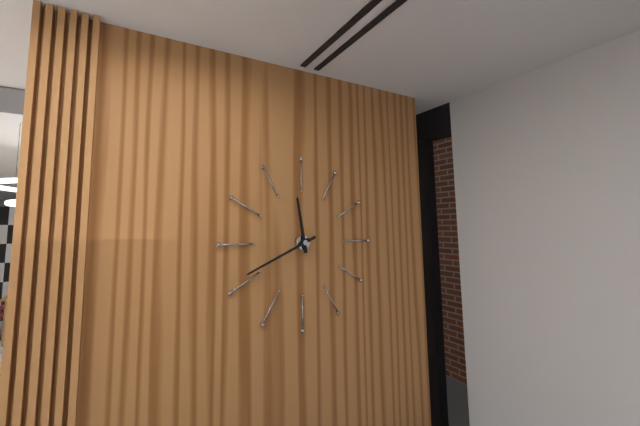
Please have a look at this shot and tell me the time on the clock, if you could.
11:41
